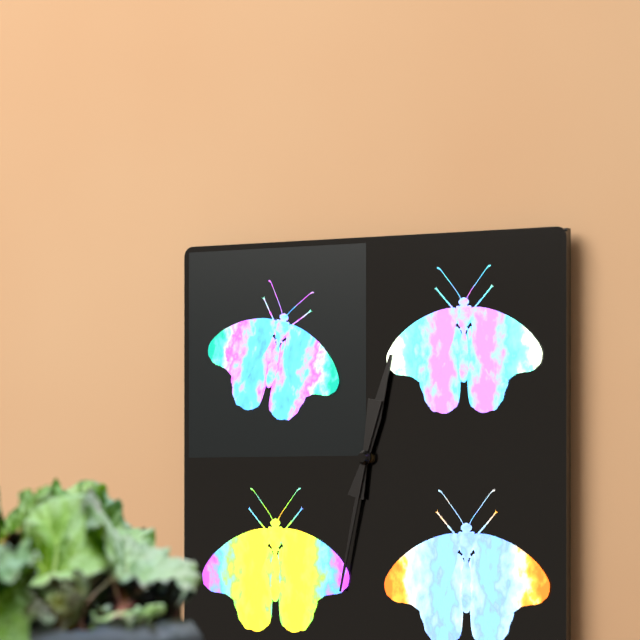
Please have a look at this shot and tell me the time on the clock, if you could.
12:32
